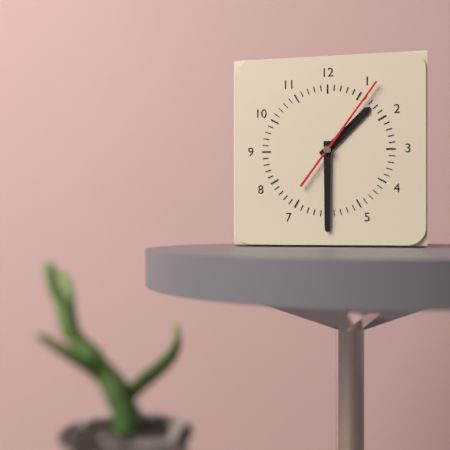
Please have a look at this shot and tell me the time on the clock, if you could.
1:30:06
